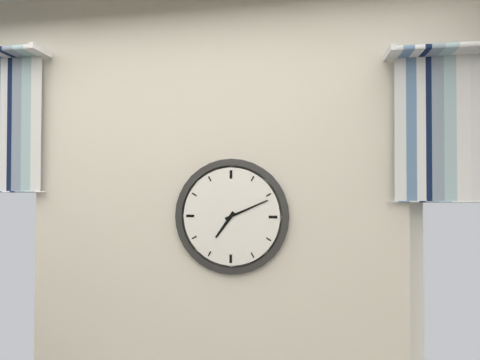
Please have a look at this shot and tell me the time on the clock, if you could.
7:11
